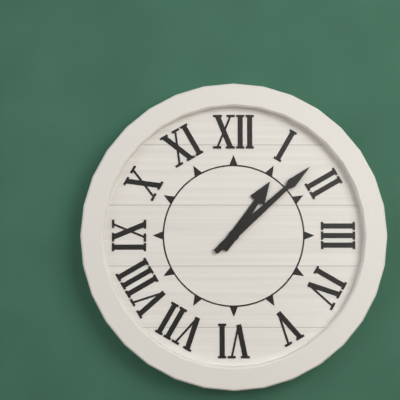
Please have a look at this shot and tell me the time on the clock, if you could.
1:08
